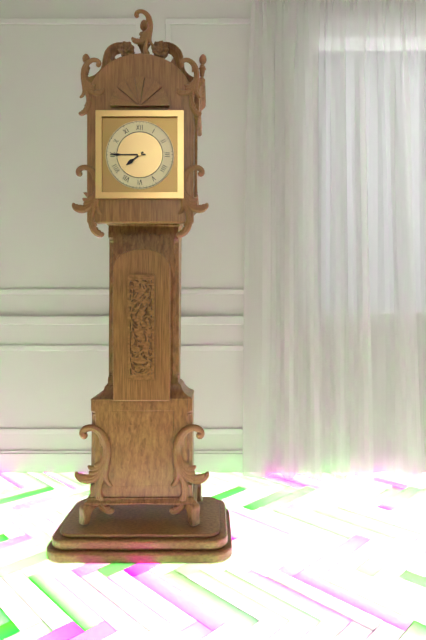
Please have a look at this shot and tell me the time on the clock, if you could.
7:45
